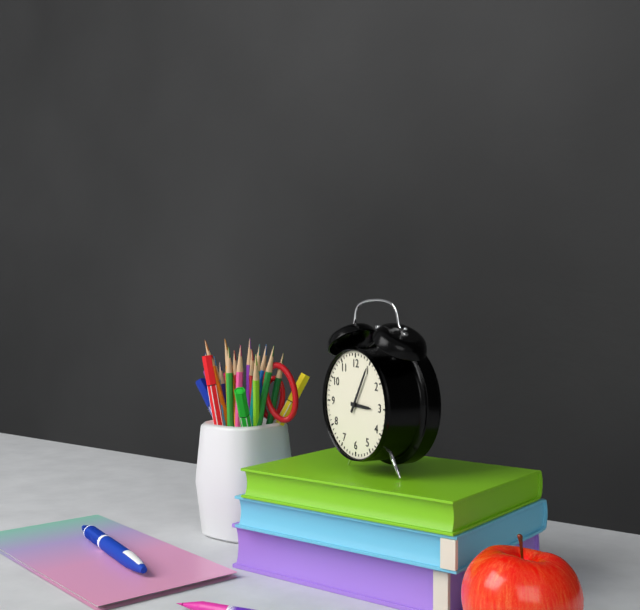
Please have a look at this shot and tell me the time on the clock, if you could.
3:05
